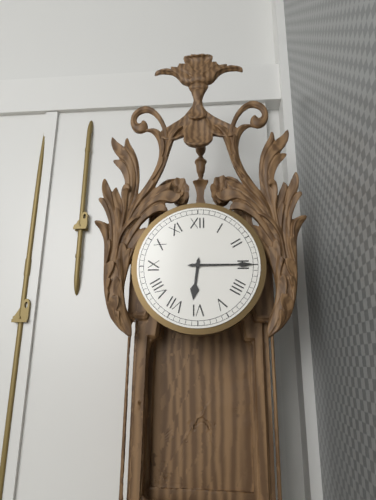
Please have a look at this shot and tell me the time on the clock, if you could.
6:15
